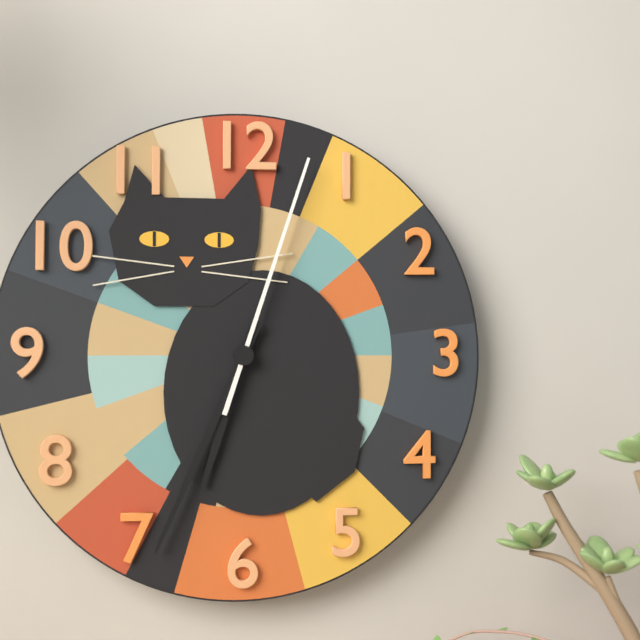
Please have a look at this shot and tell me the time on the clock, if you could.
6:34:03
